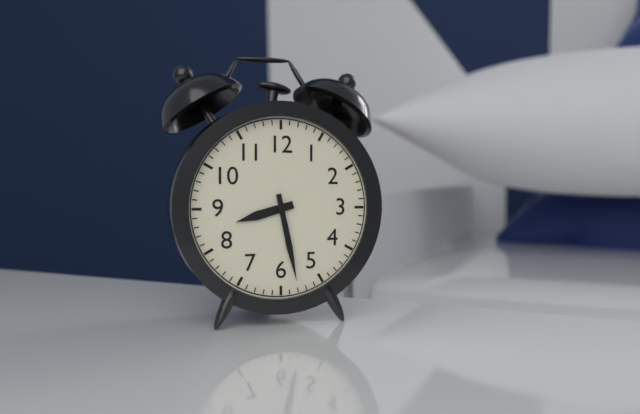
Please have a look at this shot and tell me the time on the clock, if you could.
8:28
